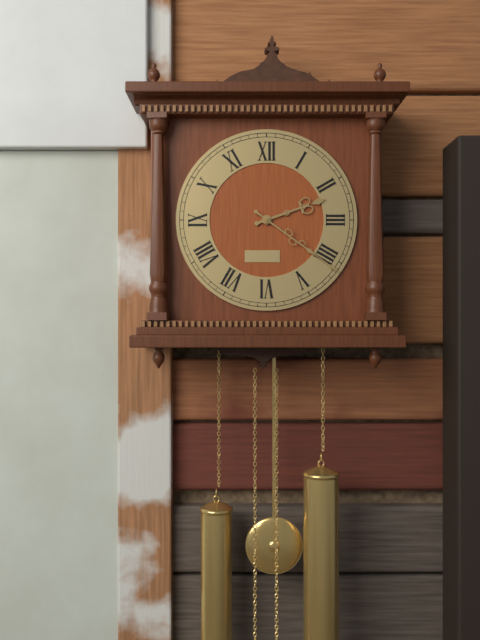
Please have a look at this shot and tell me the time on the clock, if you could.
2:21
